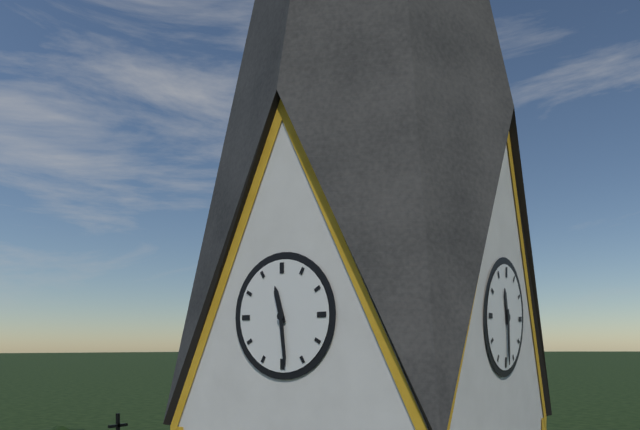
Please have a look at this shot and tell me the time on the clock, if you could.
11:29
